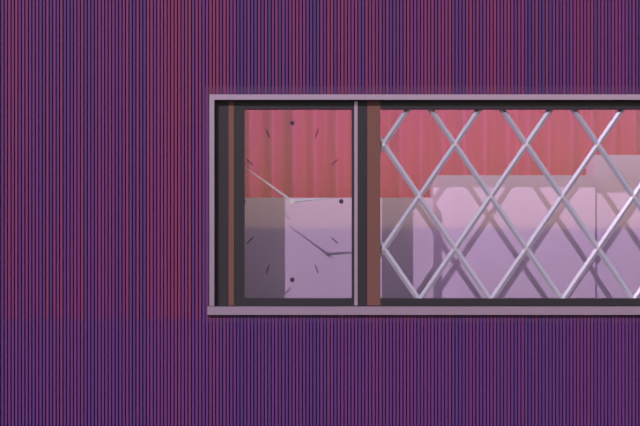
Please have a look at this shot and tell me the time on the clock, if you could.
2:51
